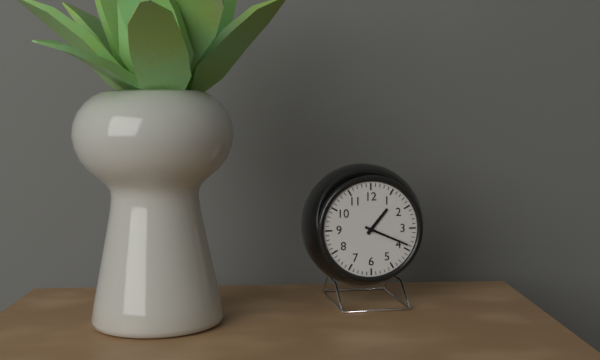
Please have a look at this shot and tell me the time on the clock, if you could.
1:19
